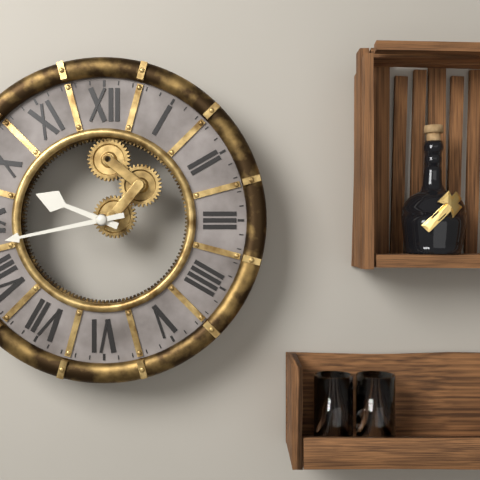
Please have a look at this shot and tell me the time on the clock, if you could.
9:43
